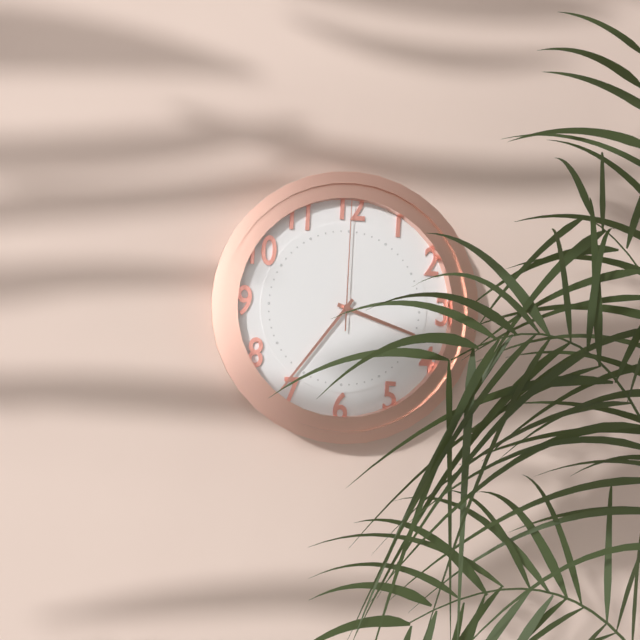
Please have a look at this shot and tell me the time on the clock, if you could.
3:36:00
